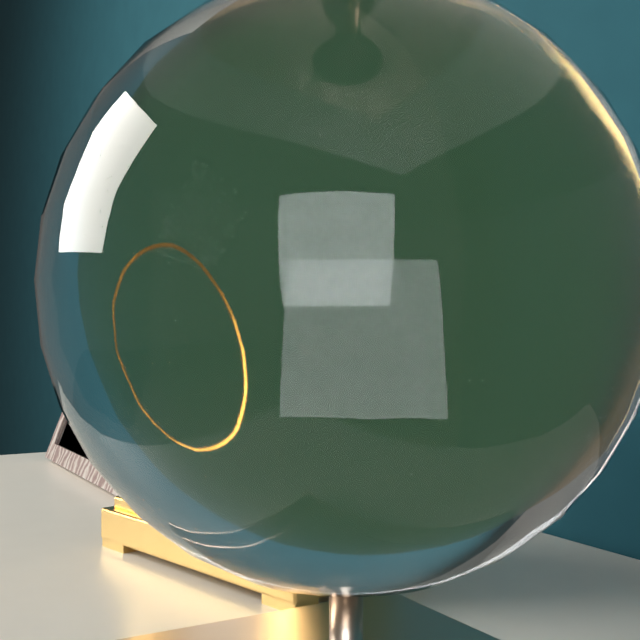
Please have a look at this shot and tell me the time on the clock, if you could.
12:05
